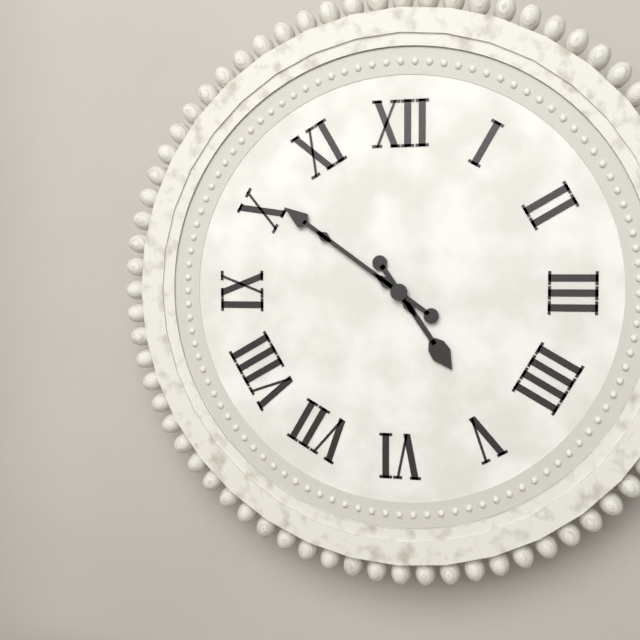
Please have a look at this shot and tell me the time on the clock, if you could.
4:51
